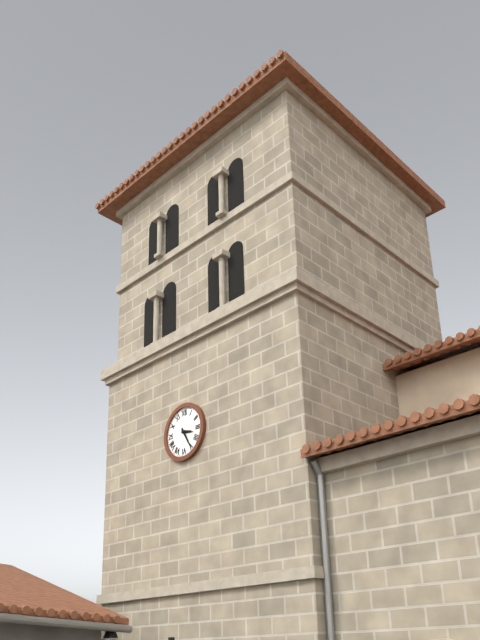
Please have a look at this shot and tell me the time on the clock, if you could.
3:25
